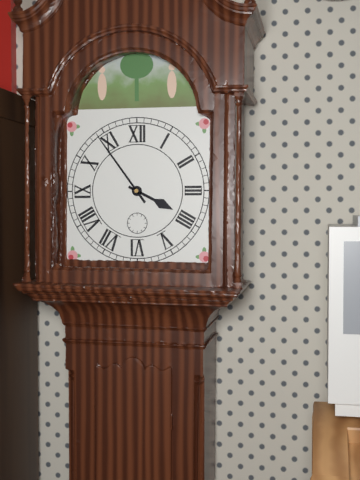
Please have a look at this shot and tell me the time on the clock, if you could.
3:54
